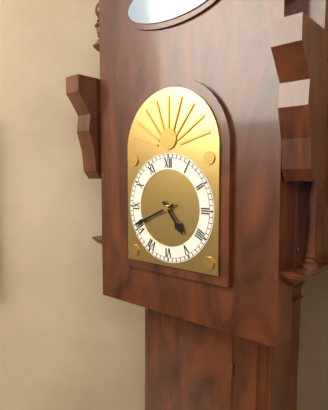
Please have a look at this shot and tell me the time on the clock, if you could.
4:41
